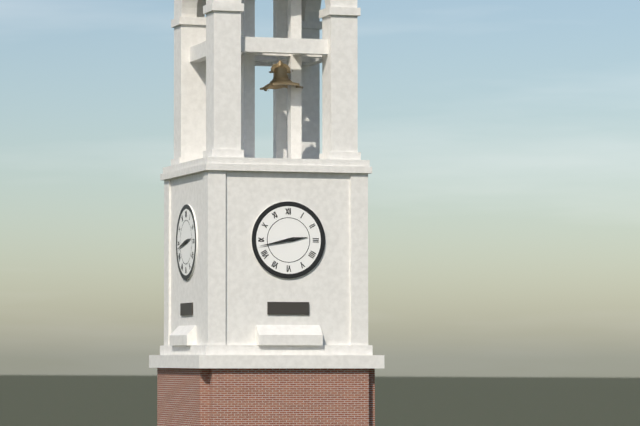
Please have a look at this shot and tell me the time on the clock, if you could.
2:43
